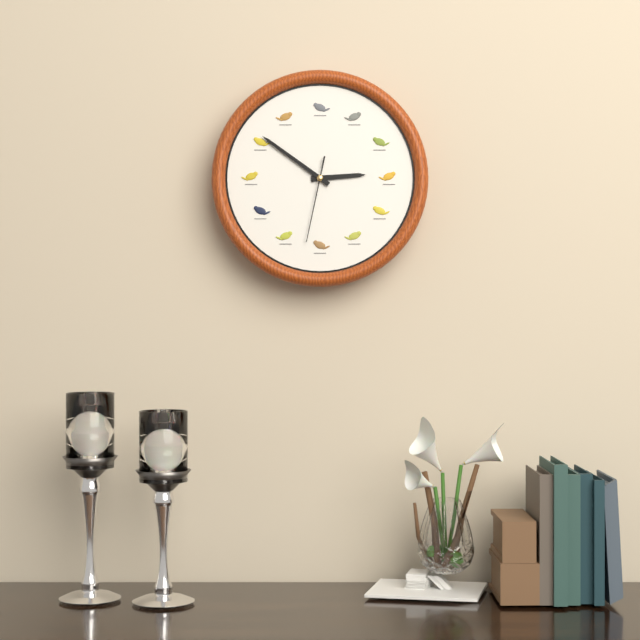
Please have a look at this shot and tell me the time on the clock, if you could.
2:51:32
